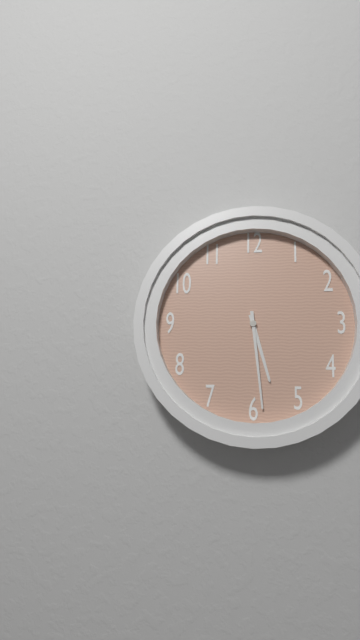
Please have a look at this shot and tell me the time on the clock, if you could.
5:29
